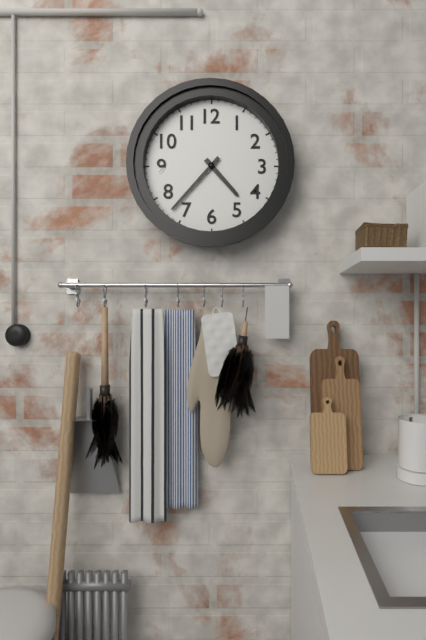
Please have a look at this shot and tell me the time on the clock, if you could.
4:37
